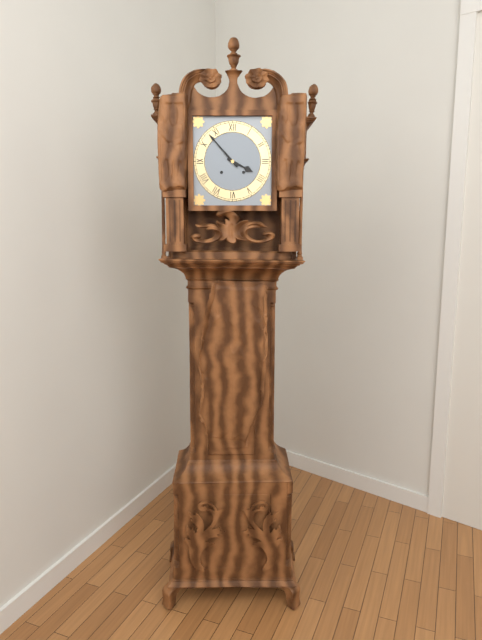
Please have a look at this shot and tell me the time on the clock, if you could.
3:53
